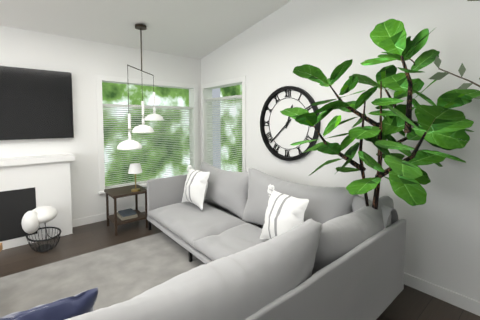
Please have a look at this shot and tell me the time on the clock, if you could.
12:38
